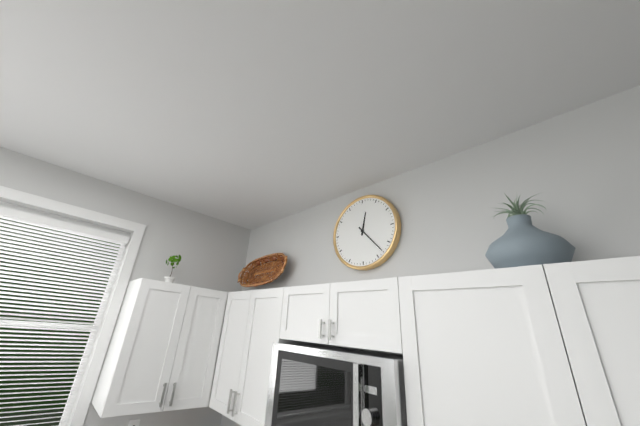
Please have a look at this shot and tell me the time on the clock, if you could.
12:23
